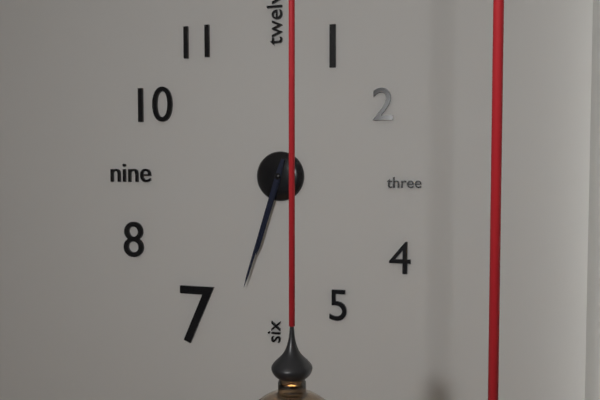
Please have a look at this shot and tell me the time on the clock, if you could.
6:33
